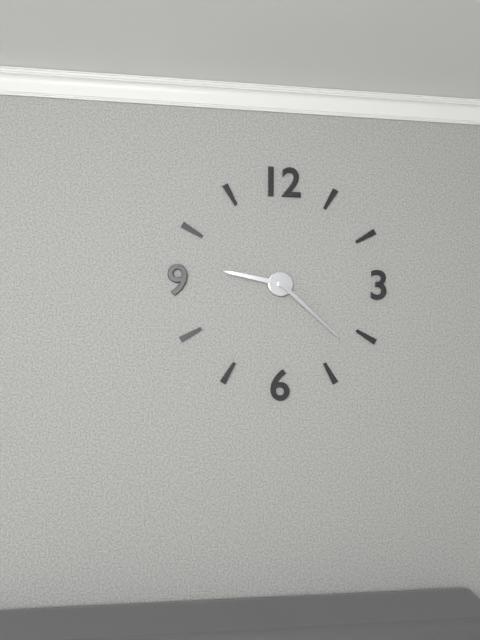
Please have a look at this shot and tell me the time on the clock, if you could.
9:22
